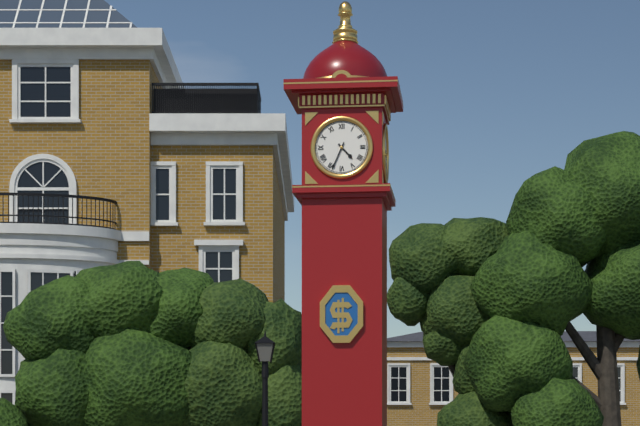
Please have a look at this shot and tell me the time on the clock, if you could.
4:34
